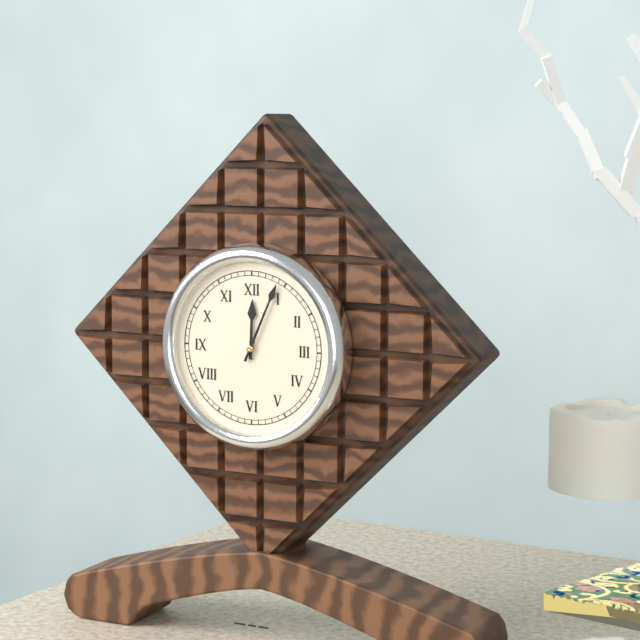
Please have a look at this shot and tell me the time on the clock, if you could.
12:04
